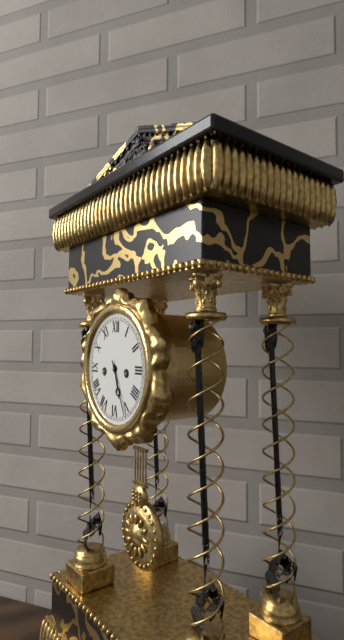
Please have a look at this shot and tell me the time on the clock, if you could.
5:26
